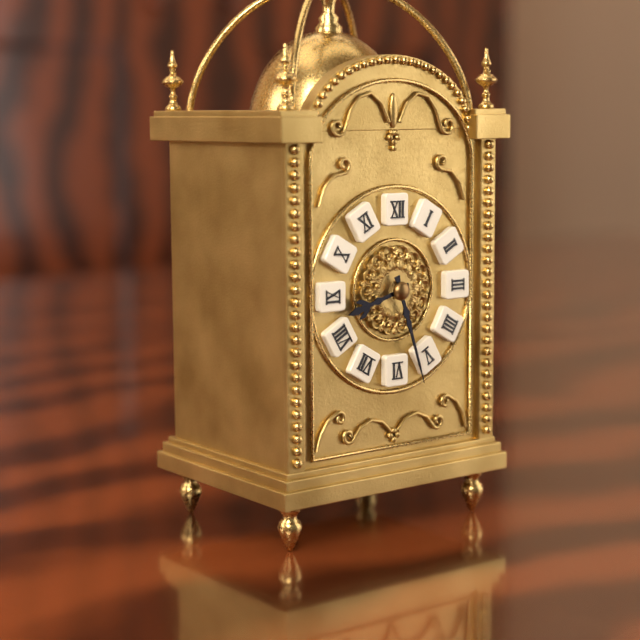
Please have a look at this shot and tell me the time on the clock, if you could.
8:27
